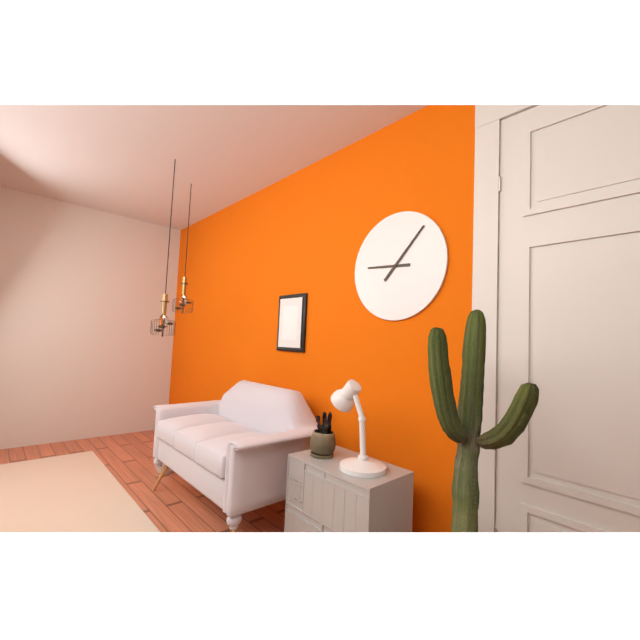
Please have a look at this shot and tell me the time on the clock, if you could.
9:07
